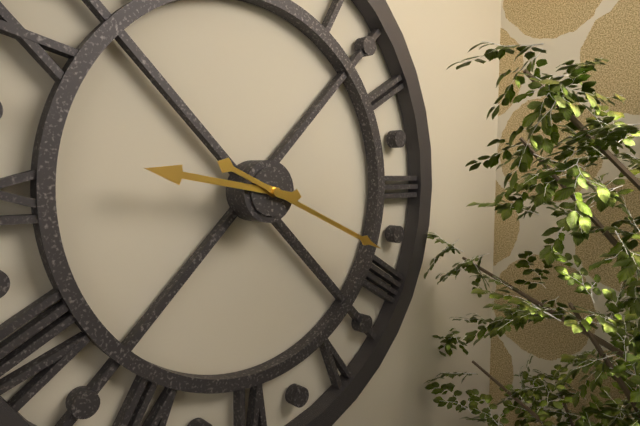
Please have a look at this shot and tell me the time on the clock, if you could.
9:19
